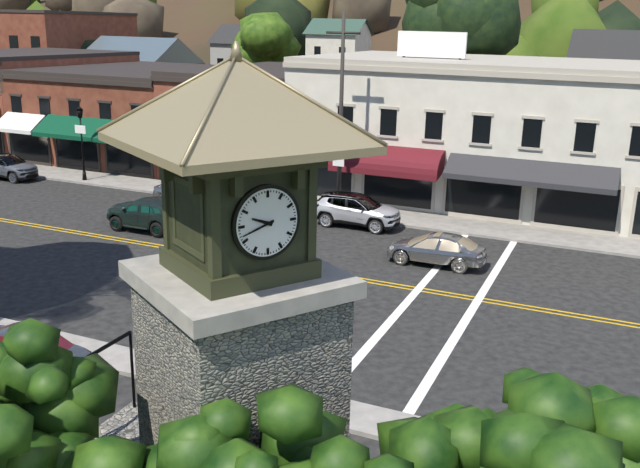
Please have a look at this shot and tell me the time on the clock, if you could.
9:42
